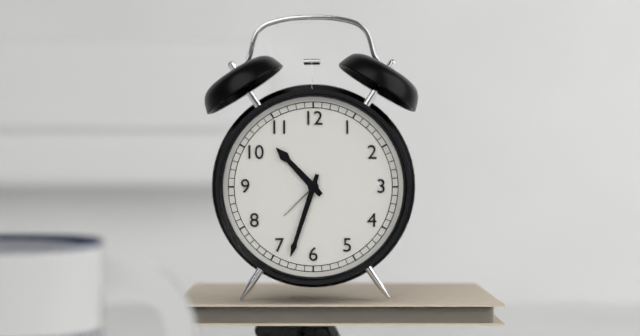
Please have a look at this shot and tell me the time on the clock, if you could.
10:33
